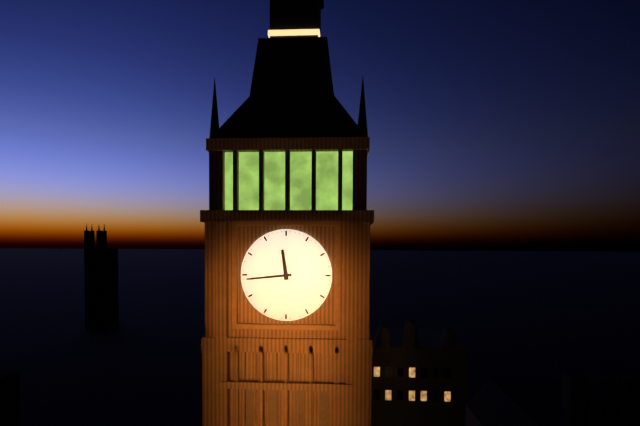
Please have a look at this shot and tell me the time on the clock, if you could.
11:44
